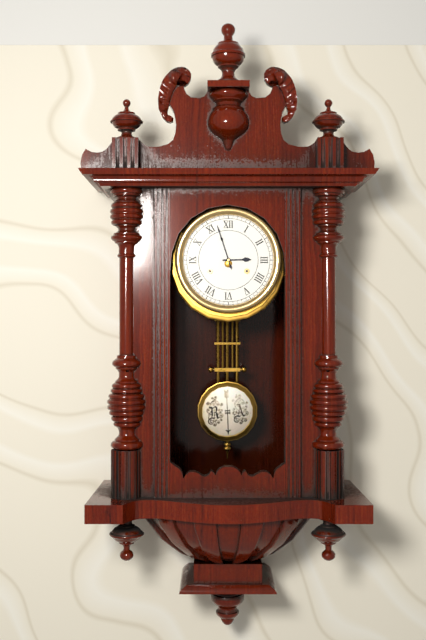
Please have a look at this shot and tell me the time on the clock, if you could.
2:57
